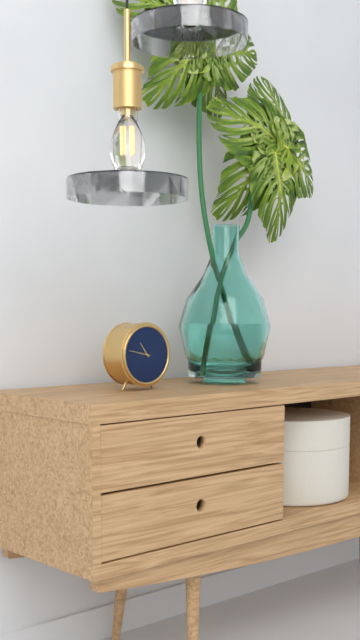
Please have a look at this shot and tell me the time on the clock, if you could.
10:47
